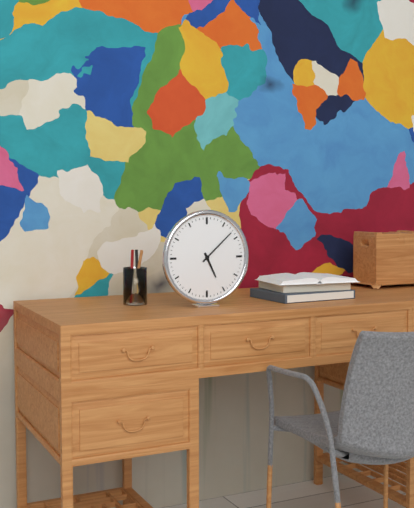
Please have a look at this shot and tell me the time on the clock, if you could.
5:08
